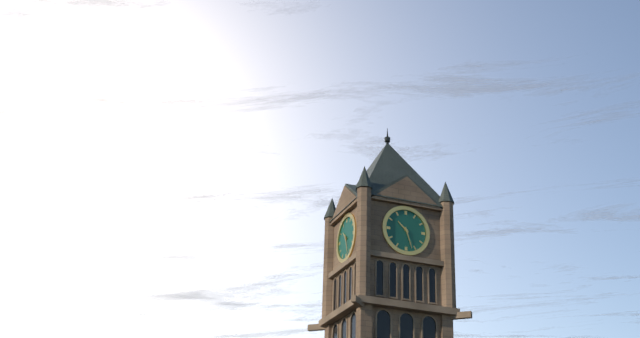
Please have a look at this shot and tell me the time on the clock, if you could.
10:27
